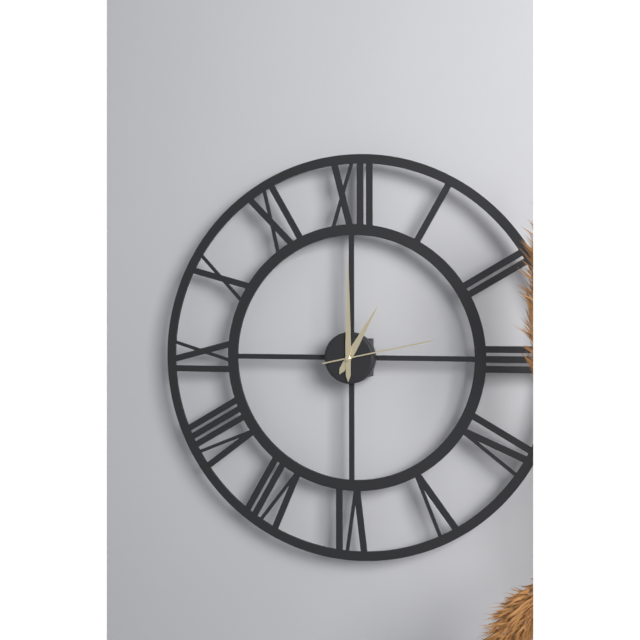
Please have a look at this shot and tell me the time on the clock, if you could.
1:00:13
